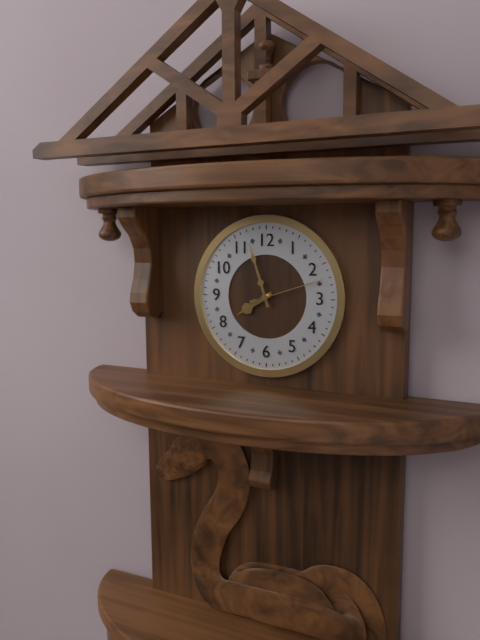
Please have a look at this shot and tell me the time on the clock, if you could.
7:57:12
